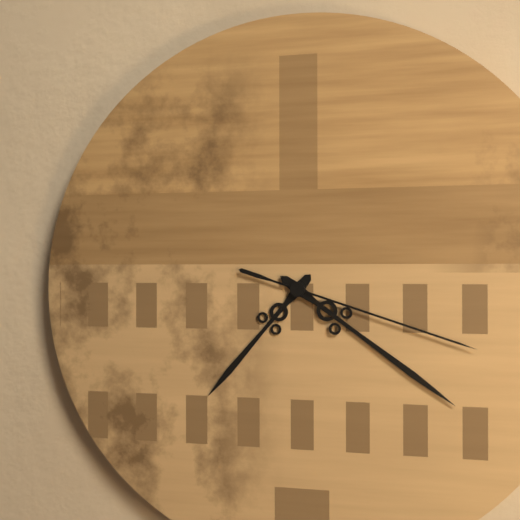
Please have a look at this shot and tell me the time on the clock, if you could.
7:21:18
